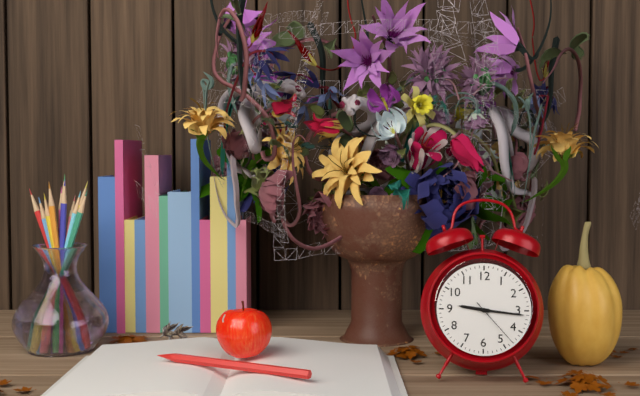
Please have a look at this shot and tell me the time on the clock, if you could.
9:16:23
